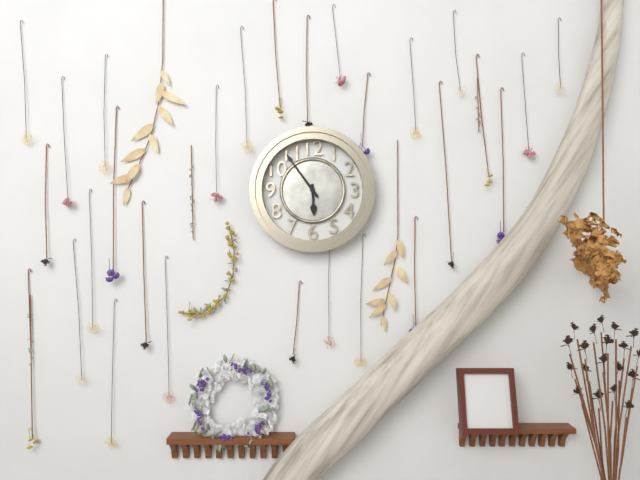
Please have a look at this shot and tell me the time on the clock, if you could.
5:54
